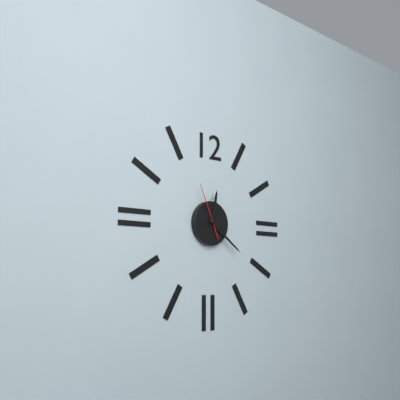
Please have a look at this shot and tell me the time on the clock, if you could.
12:21:56
